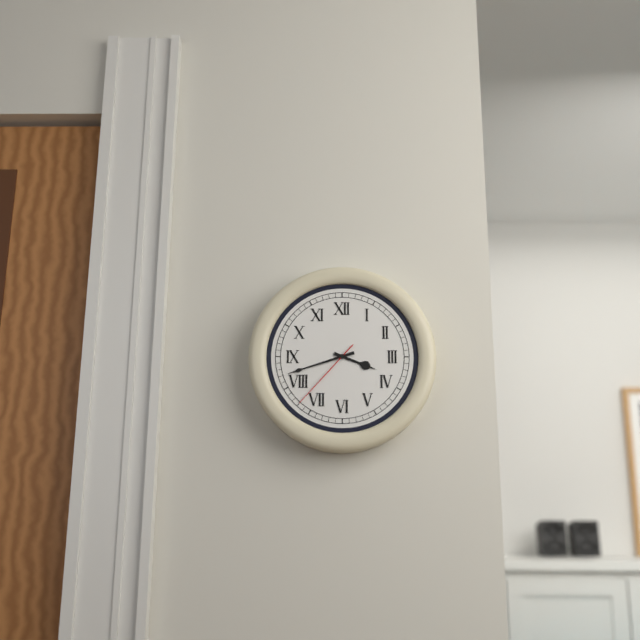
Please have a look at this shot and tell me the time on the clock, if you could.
3:42:37
